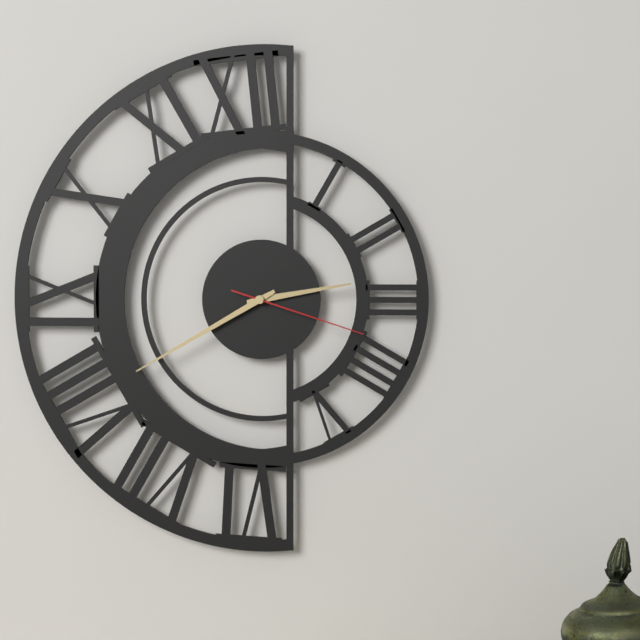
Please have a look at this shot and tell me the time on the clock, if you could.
2:40:18
